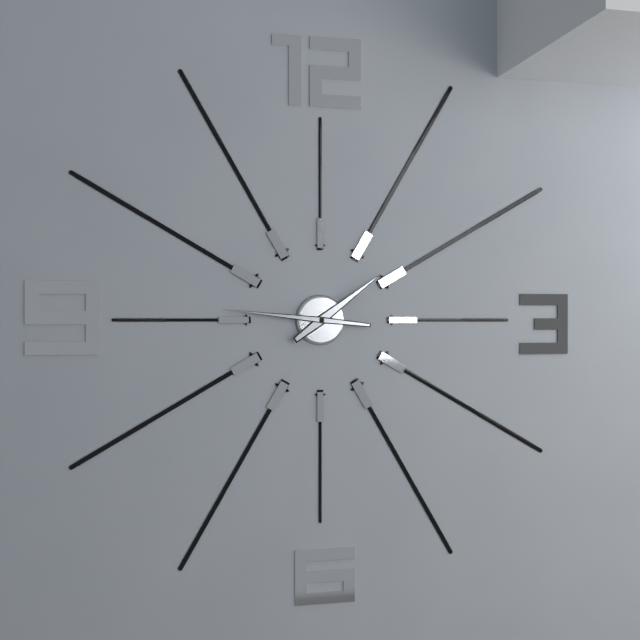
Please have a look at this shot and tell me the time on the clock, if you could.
1:46
